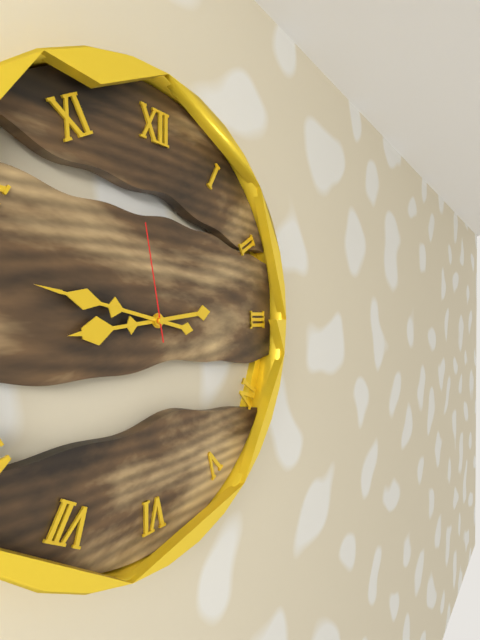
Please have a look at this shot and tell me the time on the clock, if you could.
8:47:58
